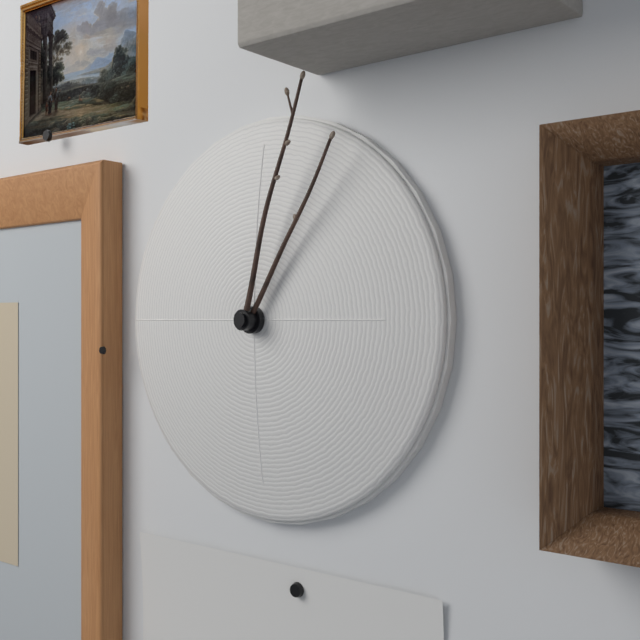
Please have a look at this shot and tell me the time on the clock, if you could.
1:03
